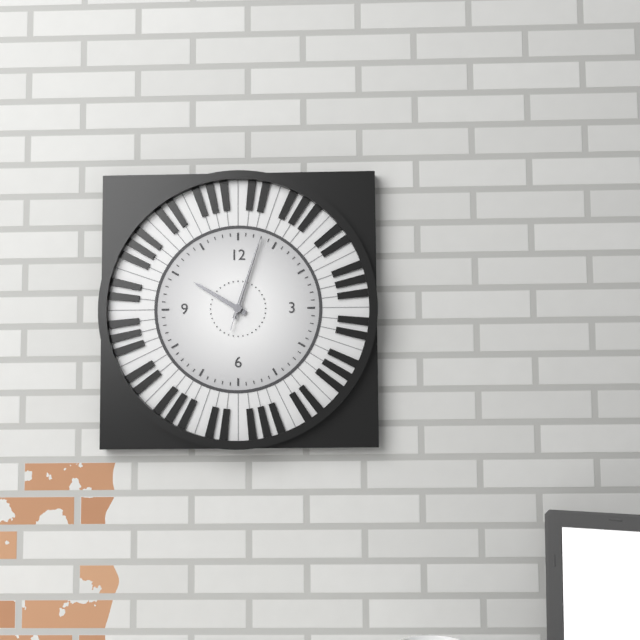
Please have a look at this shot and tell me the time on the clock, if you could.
10:03:03
